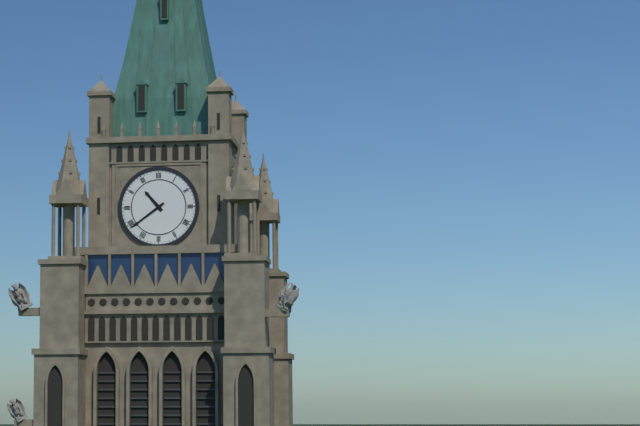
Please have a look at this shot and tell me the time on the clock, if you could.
10:39
